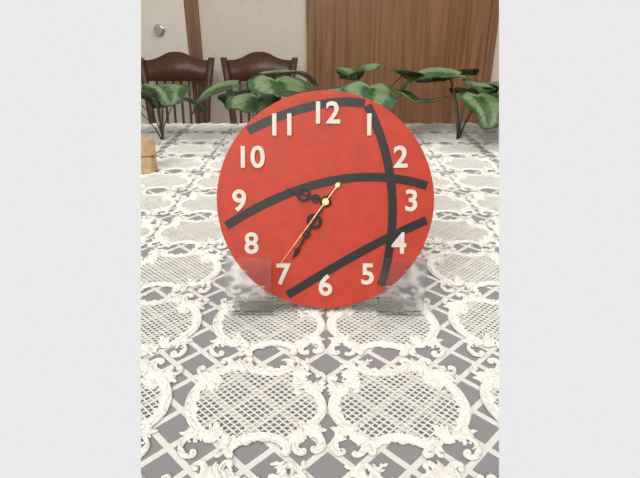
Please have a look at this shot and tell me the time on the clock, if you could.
9:35:36
